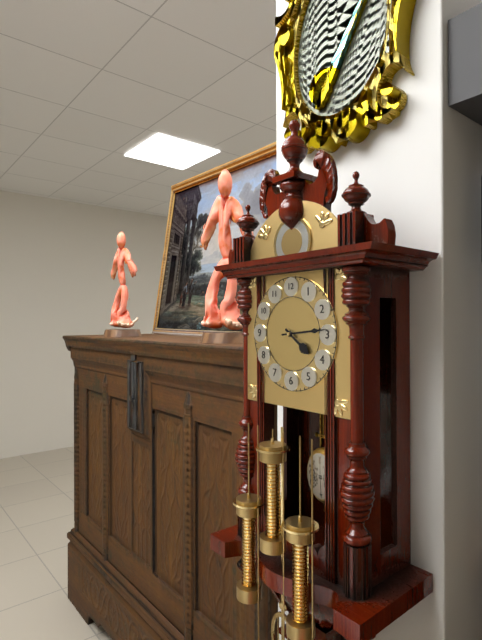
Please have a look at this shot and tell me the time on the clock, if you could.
4:14
